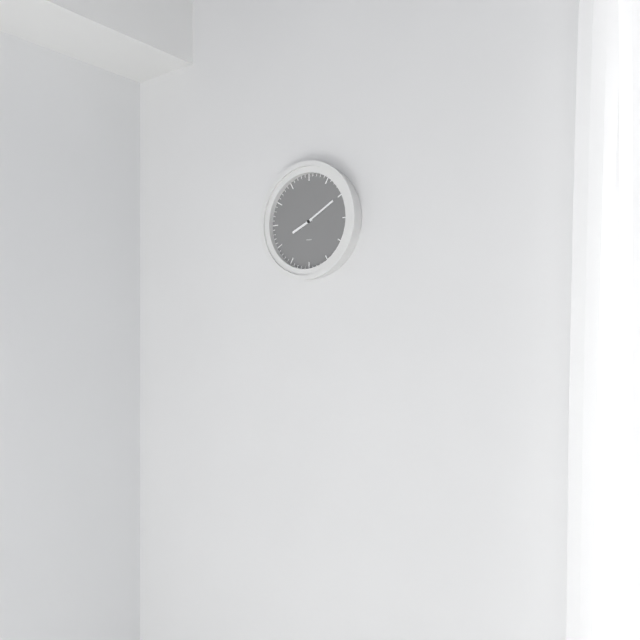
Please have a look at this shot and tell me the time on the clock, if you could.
8:10
